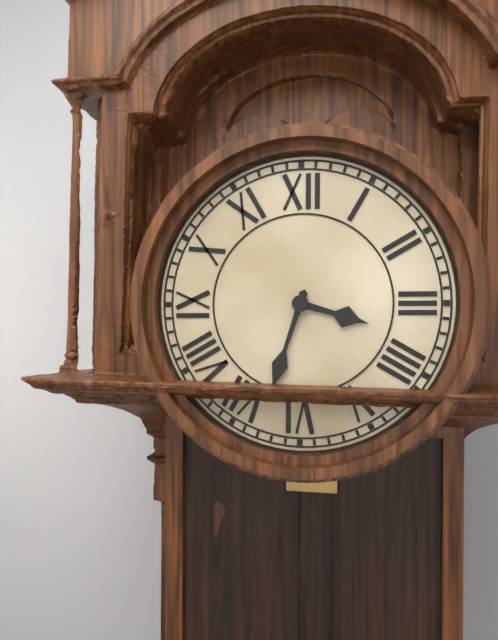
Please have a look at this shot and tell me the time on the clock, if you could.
3:33
